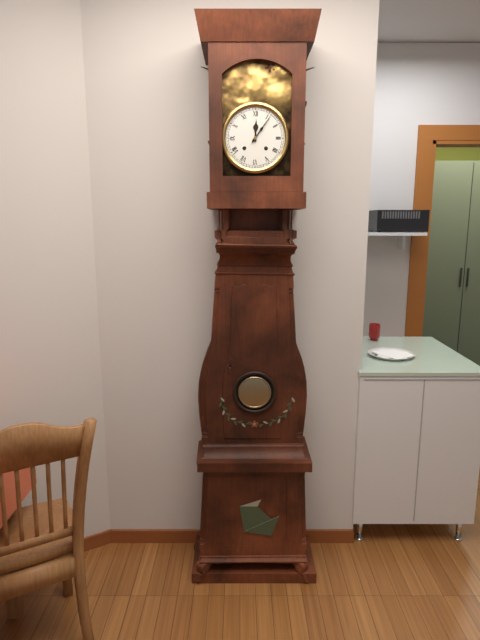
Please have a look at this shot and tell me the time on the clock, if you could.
12:06
